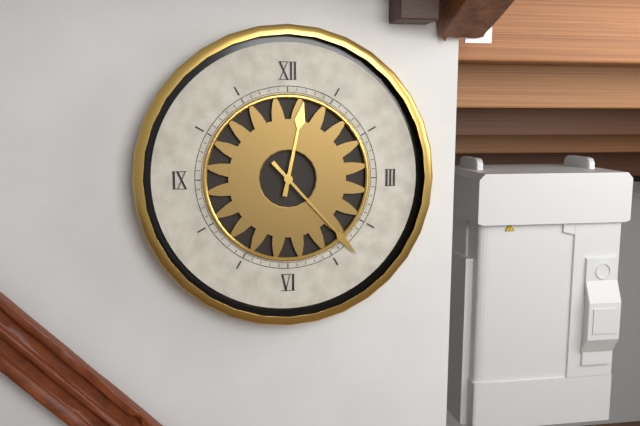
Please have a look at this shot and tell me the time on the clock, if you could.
12:23
